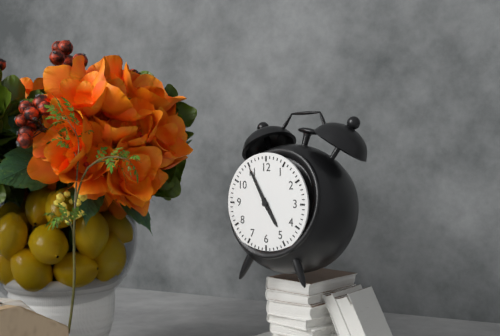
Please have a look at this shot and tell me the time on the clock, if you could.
4:55
